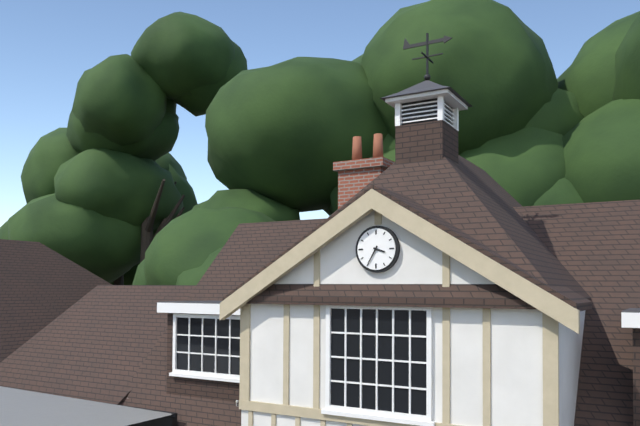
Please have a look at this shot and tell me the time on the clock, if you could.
3:35
